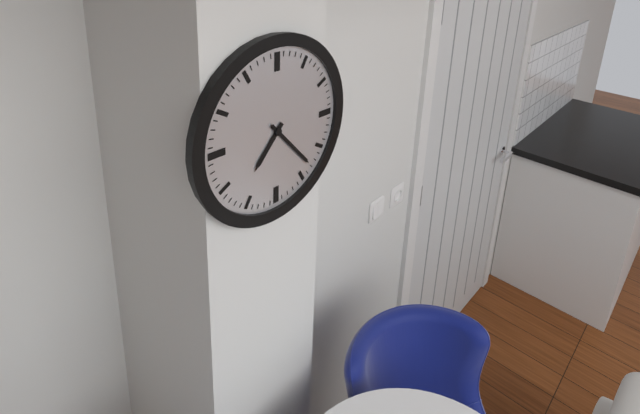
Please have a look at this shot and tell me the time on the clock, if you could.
7:23
